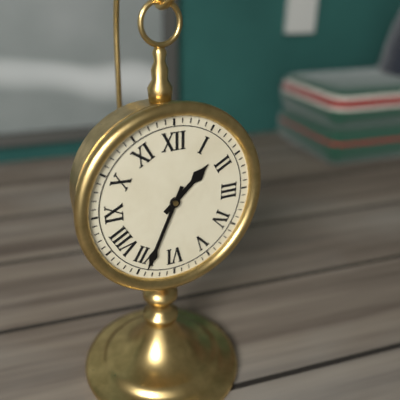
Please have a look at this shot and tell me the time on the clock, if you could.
1:34
